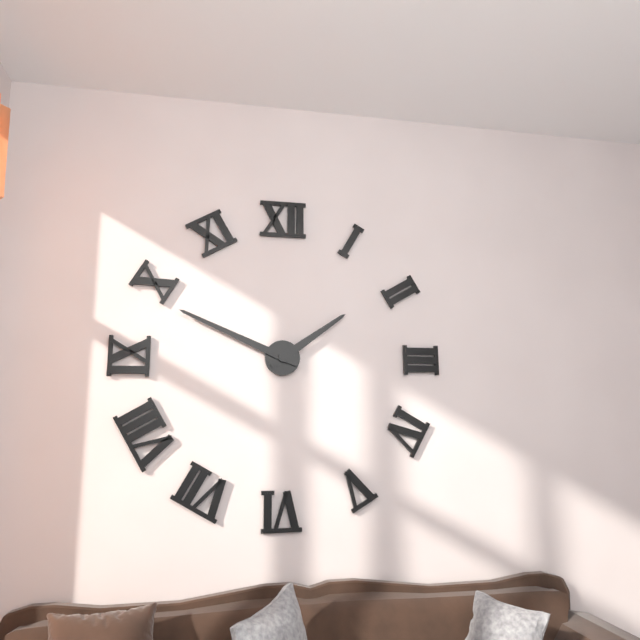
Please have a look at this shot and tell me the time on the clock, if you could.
1:49
